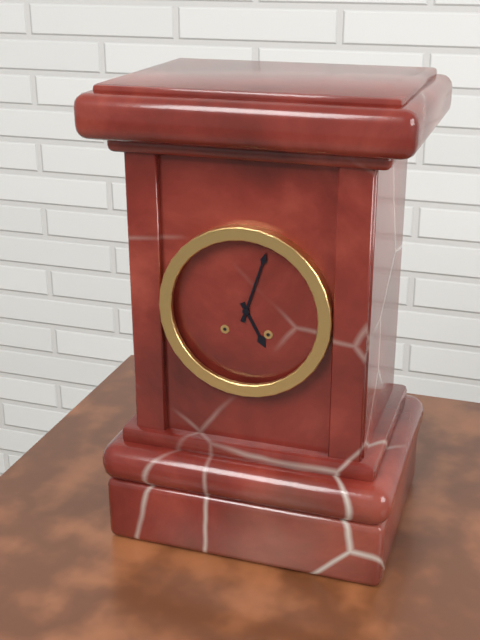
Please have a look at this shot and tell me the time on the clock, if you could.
5:03
